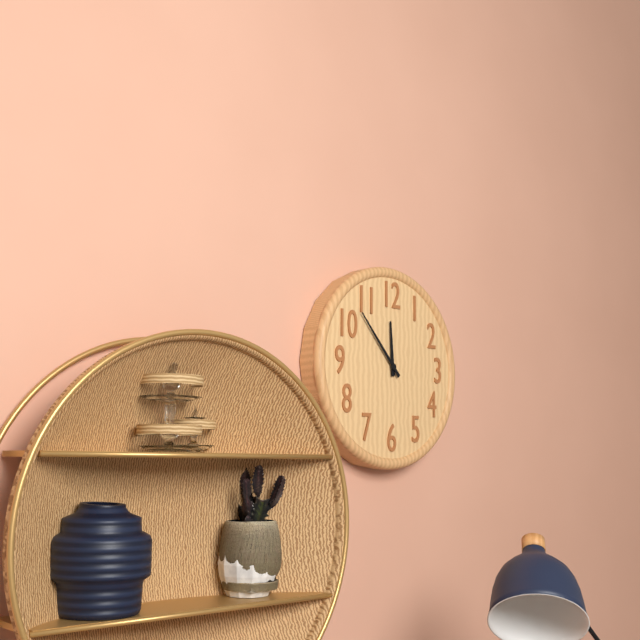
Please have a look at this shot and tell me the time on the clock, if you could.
11:53
